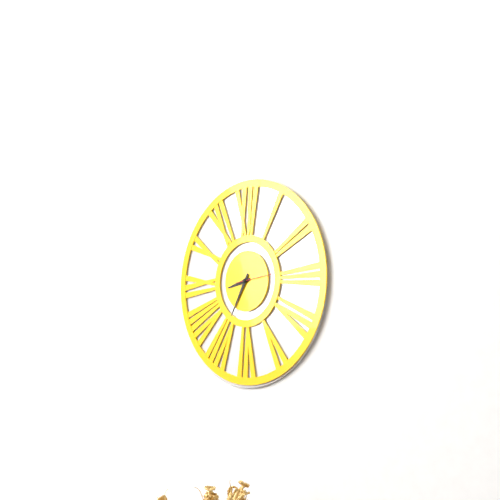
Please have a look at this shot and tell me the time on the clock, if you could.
8:35
